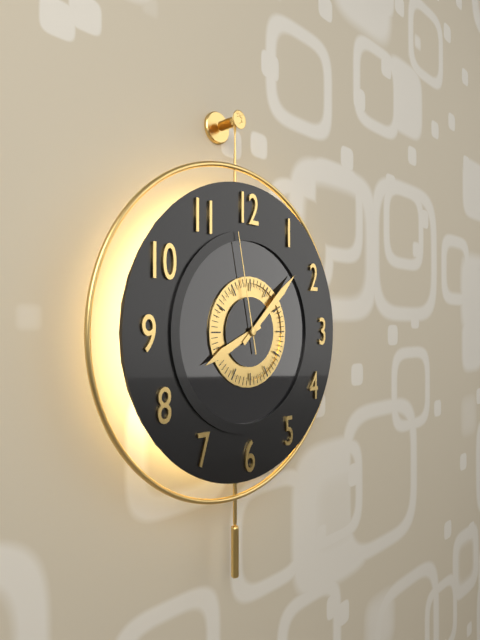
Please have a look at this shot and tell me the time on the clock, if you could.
8:08:58
